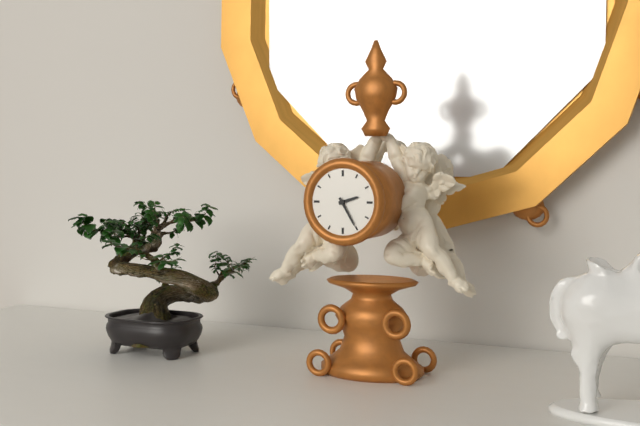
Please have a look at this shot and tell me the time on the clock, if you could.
2:25
